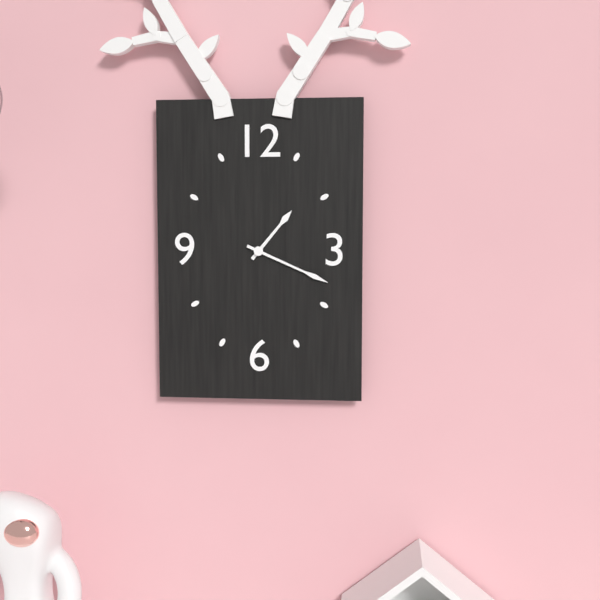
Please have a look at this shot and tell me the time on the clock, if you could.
1:19
